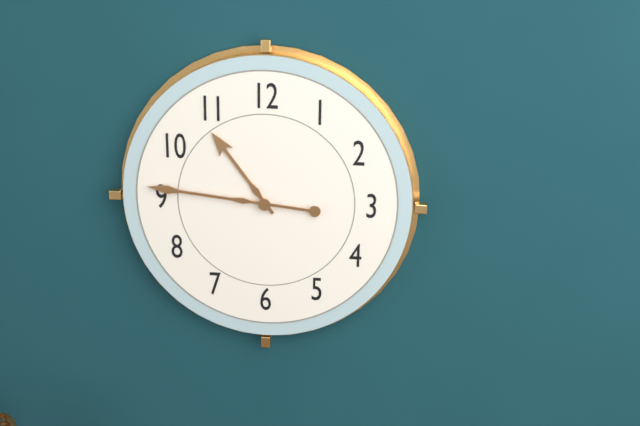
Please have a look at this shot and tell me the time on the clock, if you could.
10:46
